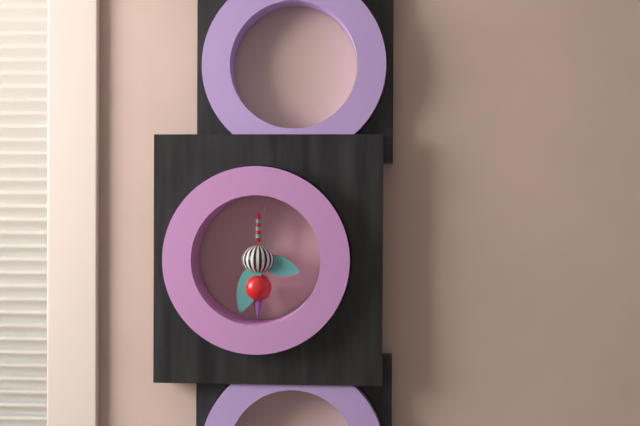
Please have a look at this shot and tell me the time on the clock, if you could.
3:33
